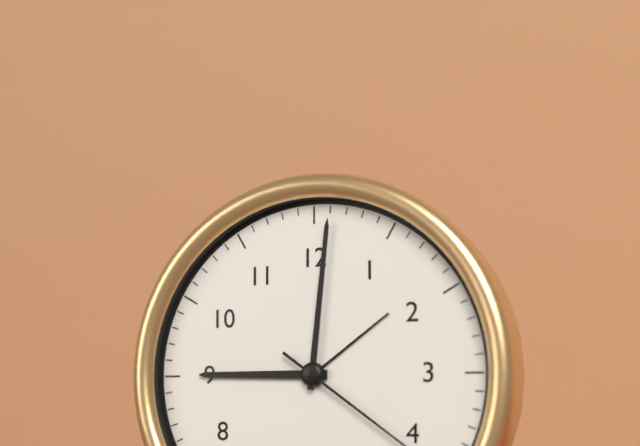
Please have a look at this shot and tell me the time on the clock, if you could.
9:01
